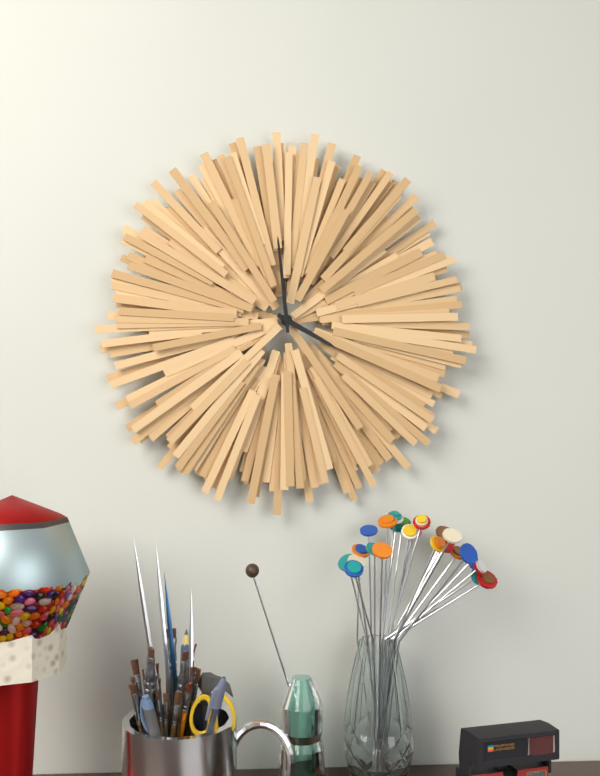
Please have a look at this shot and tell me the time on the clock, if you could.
3:59
